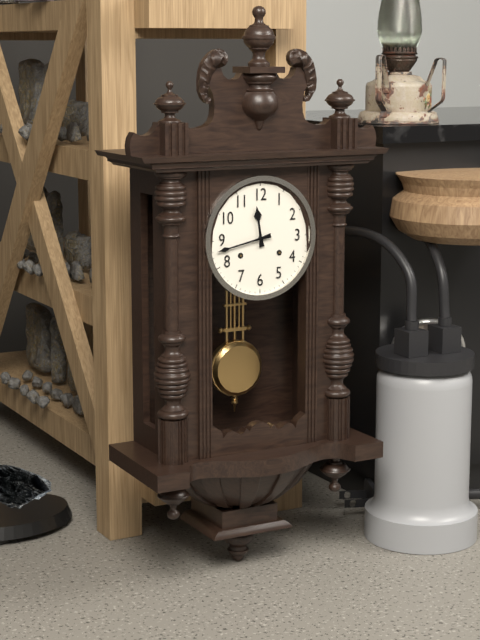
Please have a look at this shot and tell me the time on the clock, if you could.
11:43
